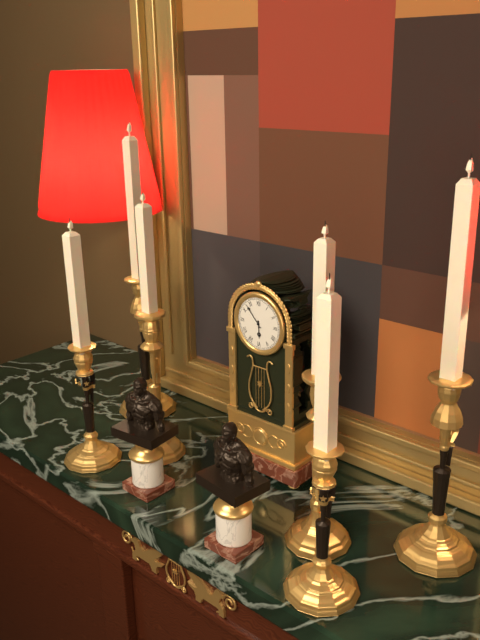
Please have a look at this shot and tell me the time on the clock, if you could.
5:53
